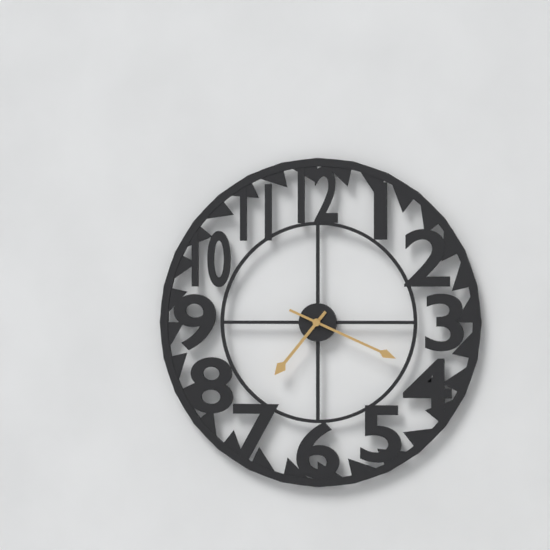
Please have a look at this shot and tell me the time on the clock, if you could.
7:19
